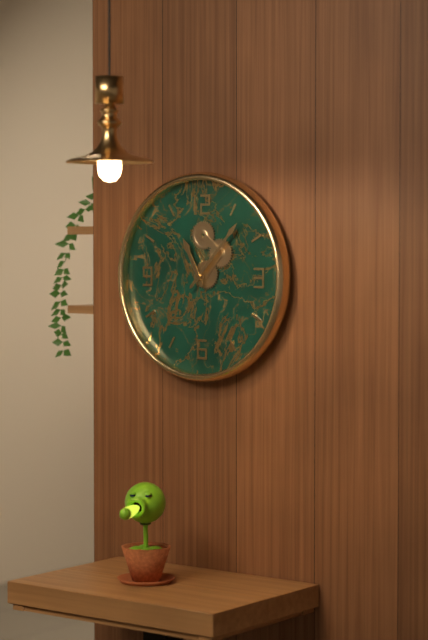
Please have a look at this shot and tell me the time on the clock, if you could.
11:07
